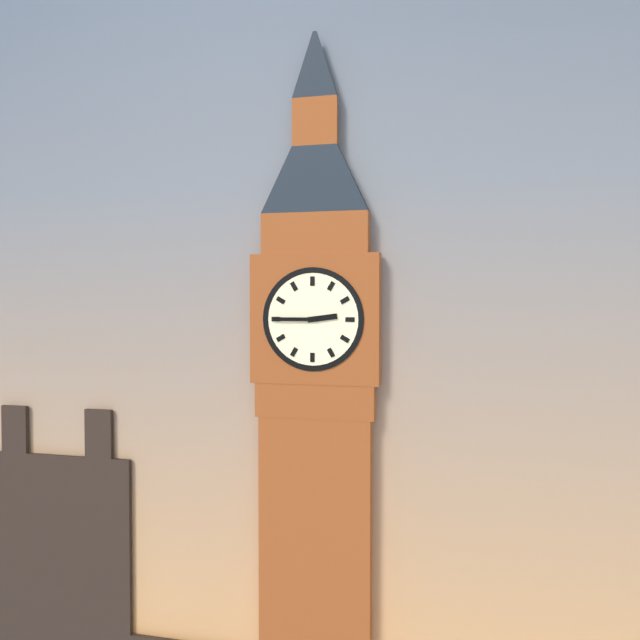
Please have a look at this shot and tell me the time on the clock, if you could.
2:45
